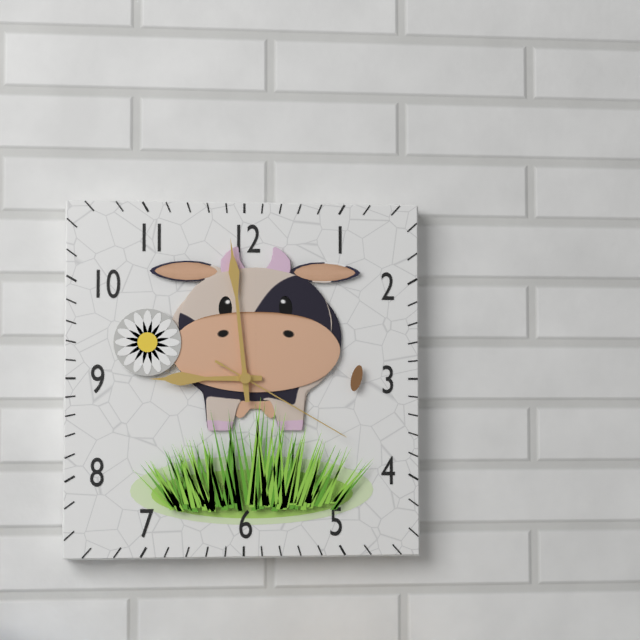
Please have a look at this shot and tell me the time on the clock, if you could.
8:59:20
